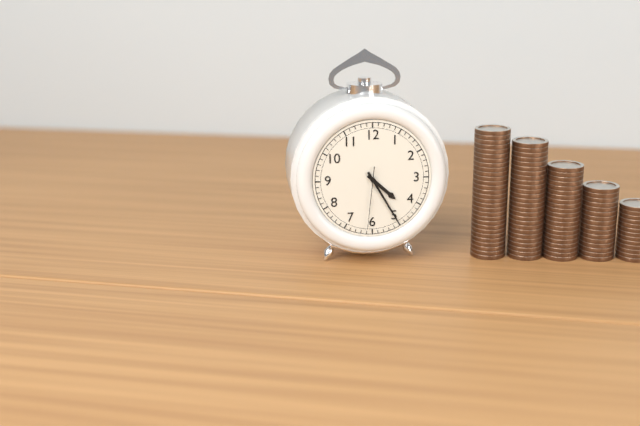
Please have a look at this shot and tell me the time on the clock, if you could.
4:25:31
